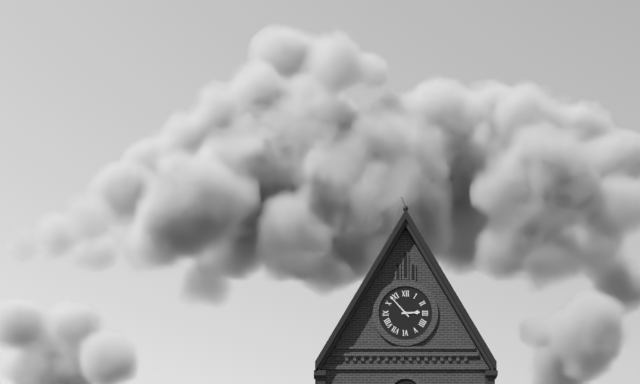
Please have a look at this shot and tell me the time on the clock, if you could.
2:53
